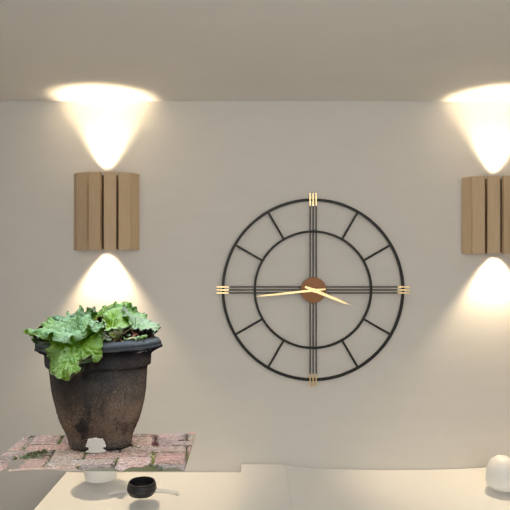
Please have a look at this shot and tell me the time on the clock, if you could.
3:44
